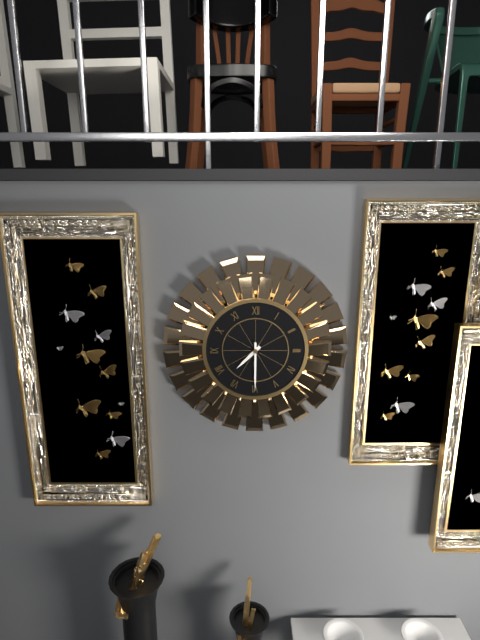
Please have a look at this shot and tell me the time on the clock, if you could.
7:30
